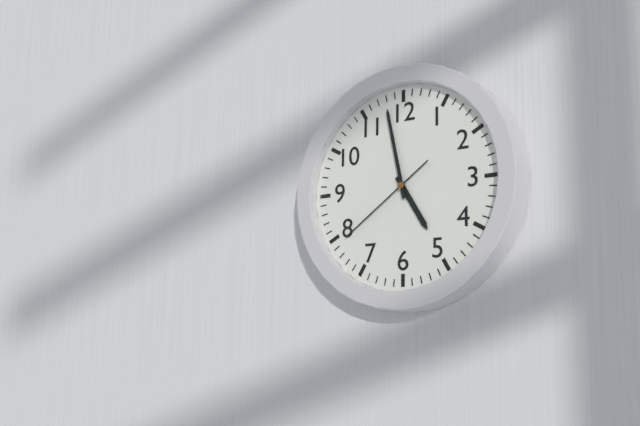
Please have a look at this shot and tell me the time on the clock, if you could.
4:58:39
